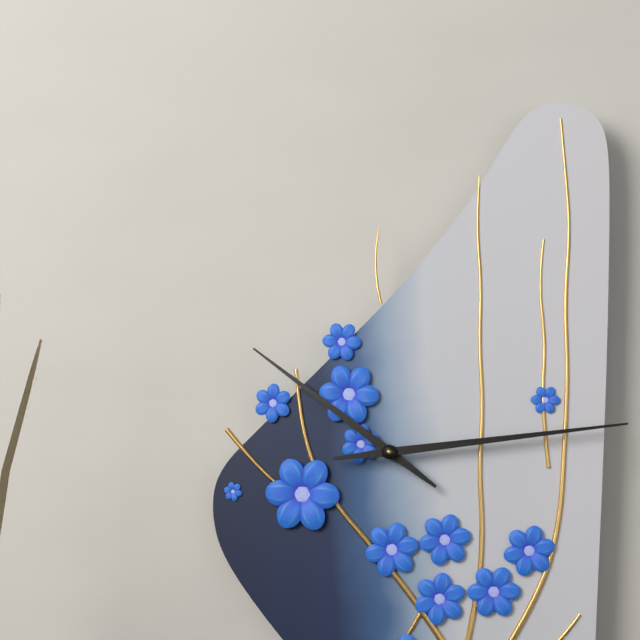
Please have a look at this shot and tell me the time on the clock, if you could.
10:14
